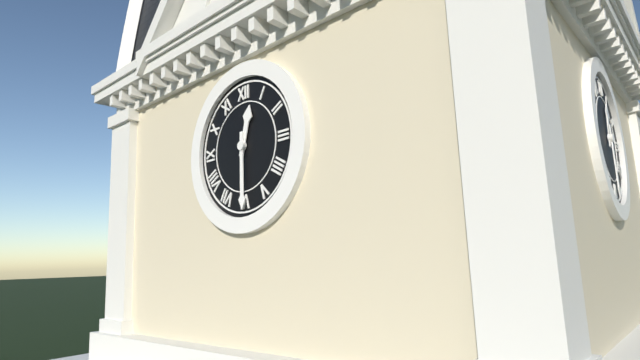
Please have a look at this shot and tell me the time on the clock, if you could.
12:30
